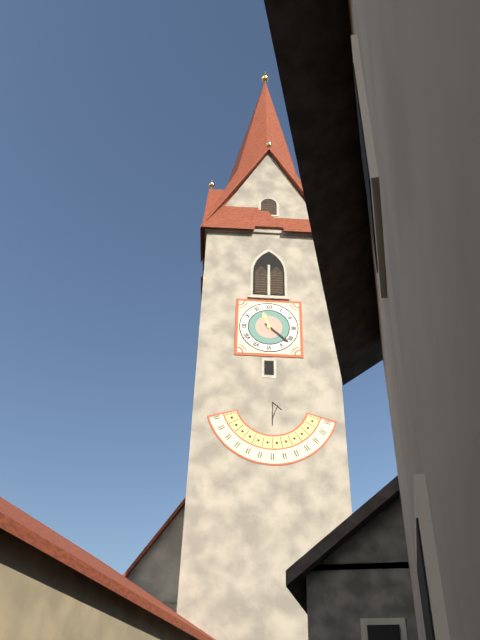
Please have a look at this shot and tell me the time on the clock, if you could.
11:22
